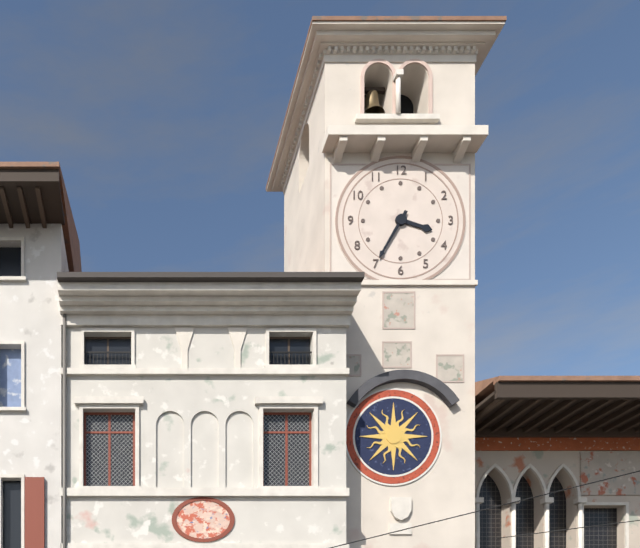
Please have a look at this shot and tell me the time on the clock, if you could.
3:35
